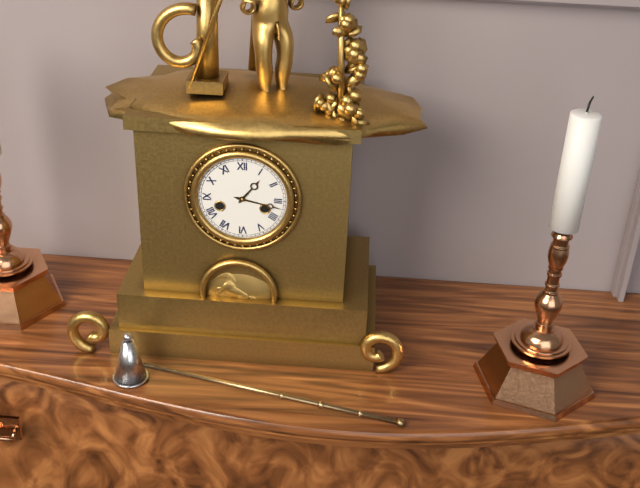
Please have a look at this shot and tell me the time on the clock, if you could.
1:17
